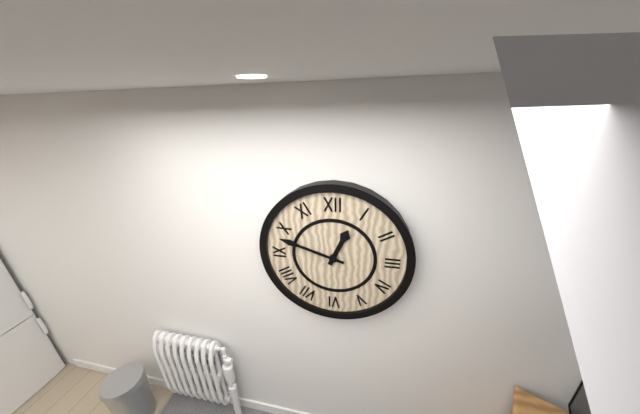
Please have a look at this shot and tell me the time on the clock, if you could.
12:48
